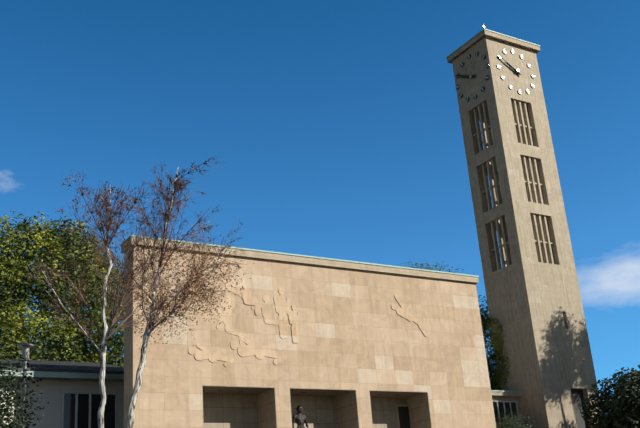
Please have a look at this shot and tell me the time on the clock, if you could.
9:50
